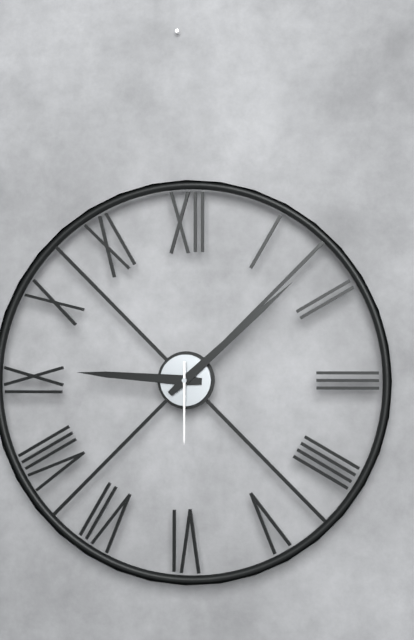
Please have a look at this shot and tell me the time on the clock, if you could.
9:08:30
